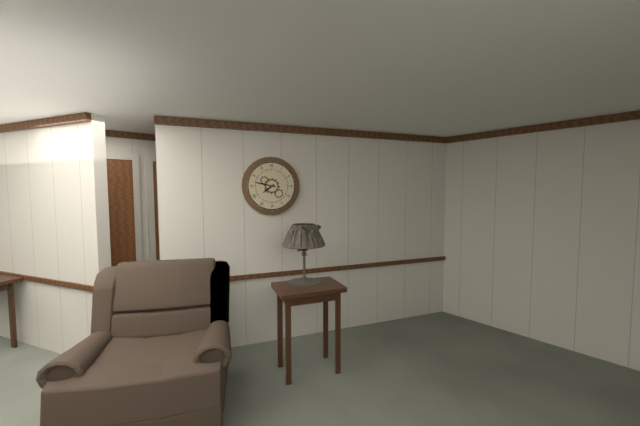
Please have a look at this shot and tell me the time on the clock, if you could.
7:47
